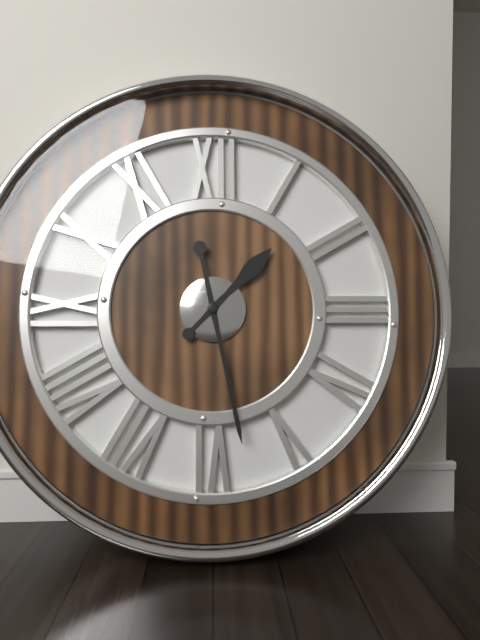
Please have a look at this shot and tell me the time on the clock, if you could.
1:28
